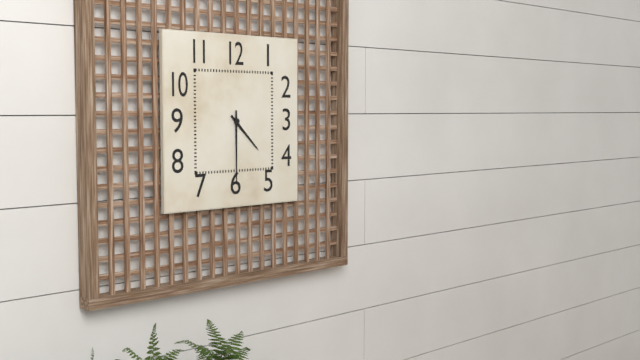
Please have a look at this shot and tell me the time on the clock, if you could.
4:30
